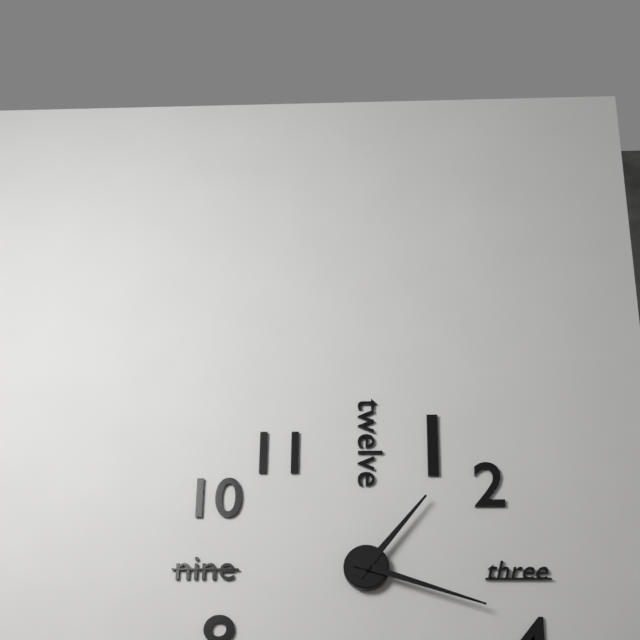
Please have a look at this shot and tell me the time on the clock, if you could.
1:18
